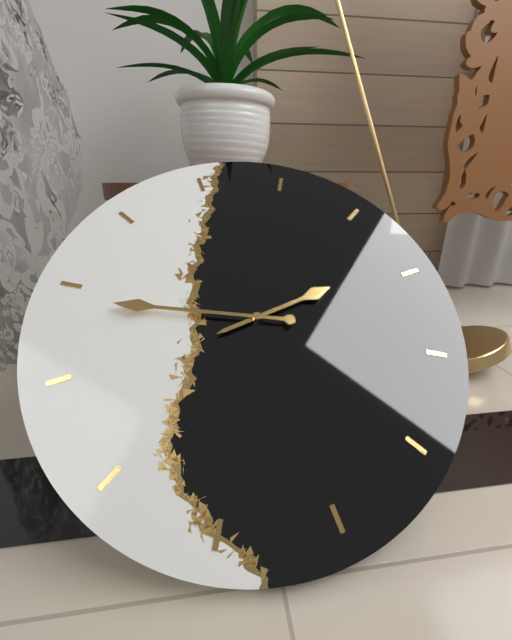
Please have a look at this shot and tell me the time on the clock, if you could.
2:49
